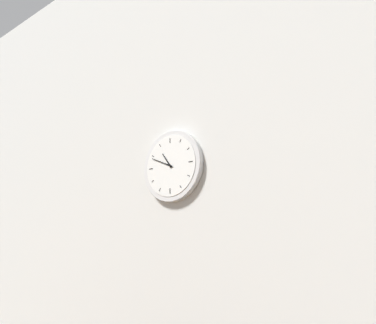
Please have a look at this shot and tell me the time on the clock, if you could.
10:49
